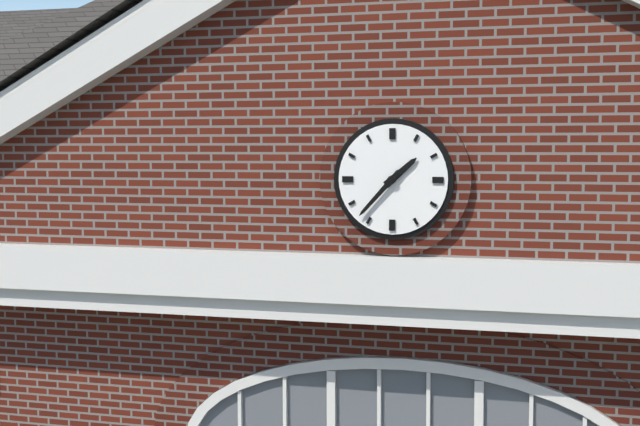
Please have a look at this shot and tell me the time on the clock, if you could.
1:37
